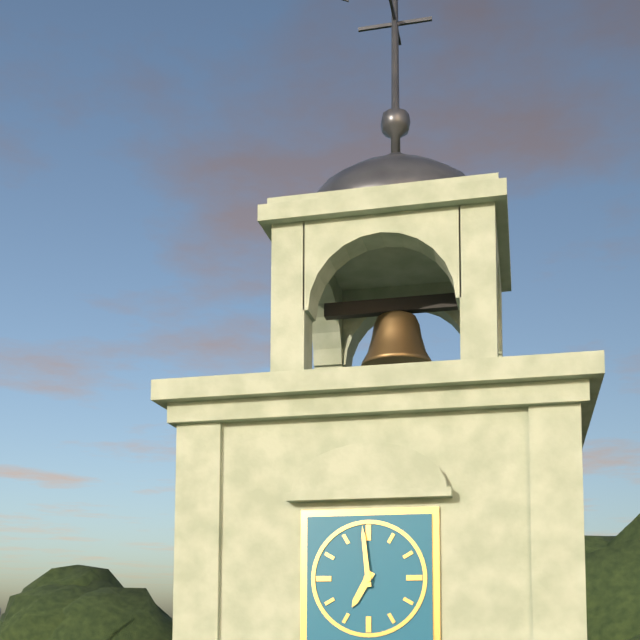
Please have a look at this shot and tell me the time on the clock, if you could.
6:59
